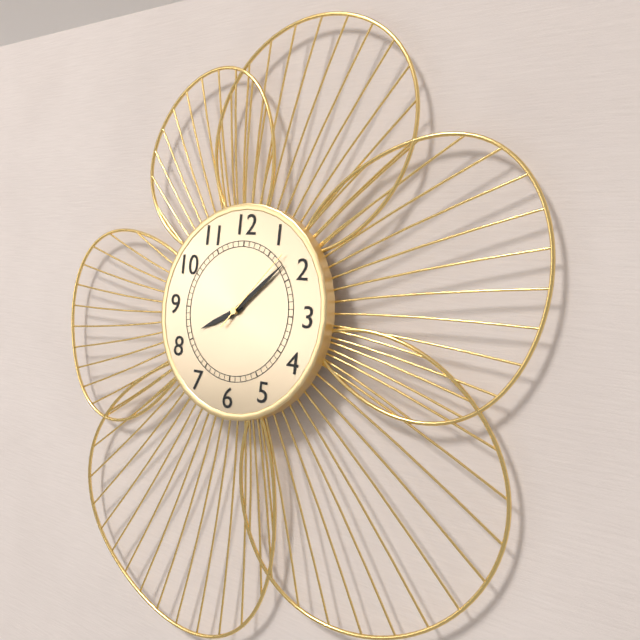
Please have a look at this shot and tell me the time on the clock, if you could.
8:08:07
